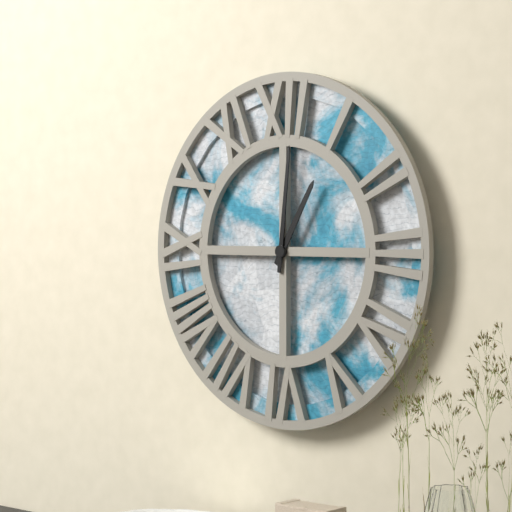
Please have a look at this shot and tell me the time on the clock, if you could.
1:01
